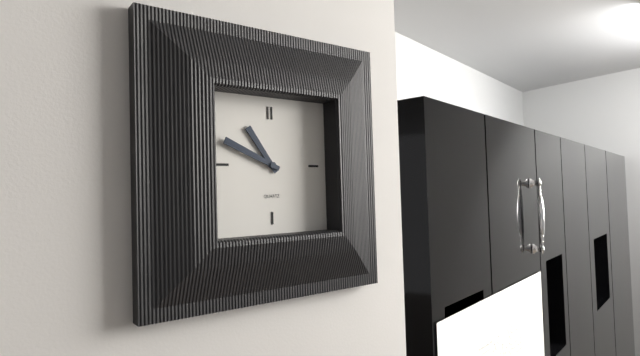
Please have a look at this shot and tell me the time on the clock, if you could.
10:49
